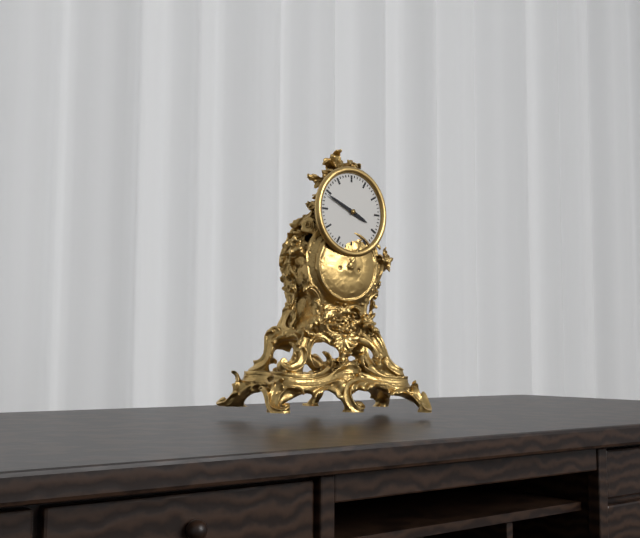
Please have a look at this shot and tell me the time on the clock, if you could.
3:49
